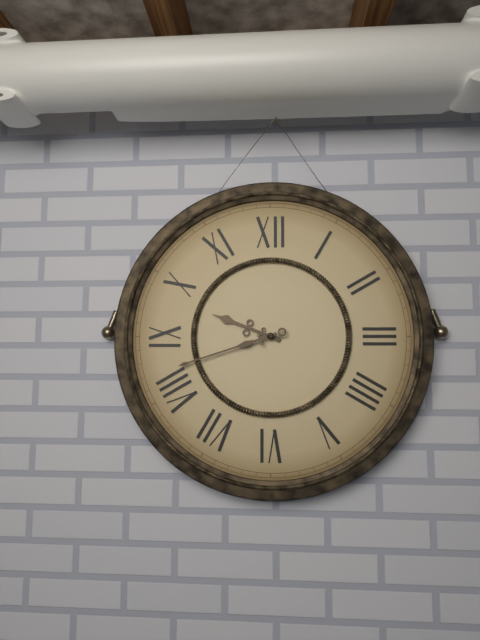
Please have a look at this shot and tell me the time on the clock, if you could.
9:42
